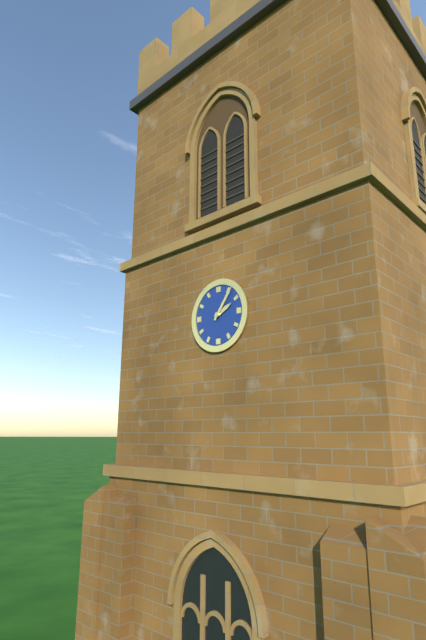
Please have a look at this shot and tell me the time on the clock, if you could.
2:06
